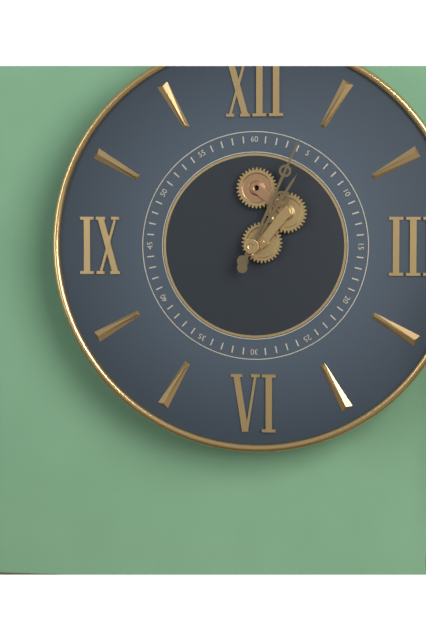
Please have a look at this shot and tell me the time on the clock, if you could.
1:04
